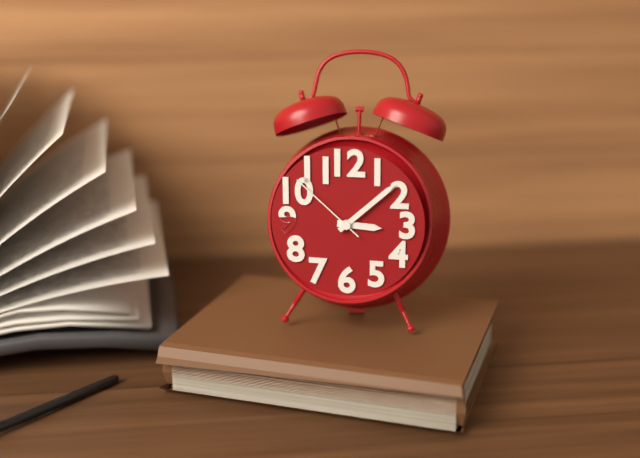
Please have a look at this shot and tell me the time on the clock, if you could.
3:08:52
